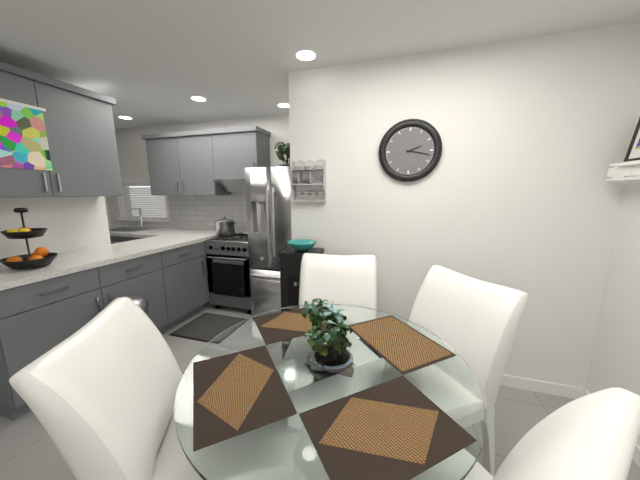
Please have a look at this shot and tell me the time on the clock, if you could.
2:17
